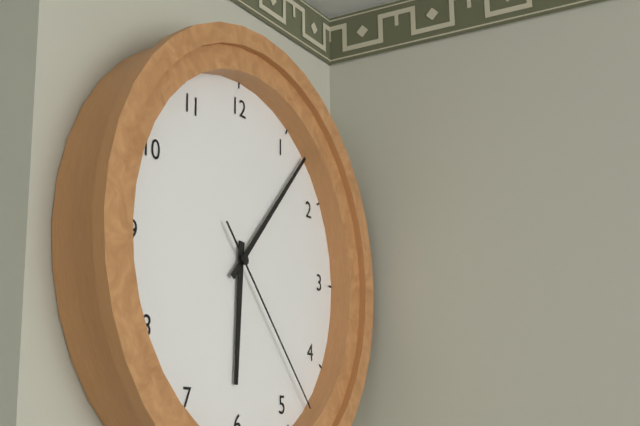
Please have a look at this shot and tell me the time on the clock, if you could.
6:07:23
